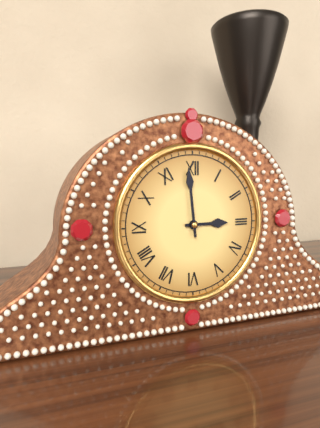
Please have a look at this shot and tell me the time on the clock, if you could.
2:59
